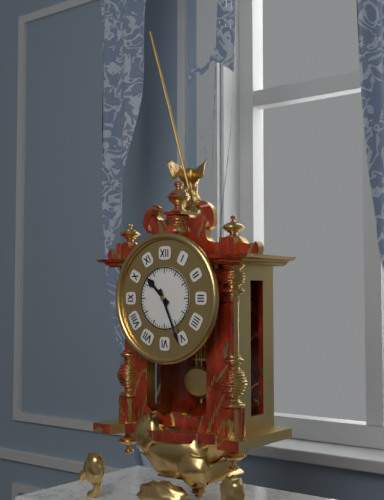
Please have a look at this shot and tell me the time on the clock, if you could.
10:26
